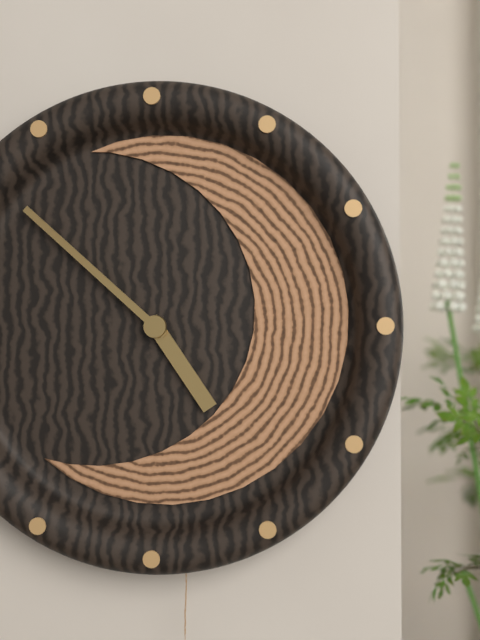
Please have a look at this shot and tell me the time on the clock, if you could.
4:52
